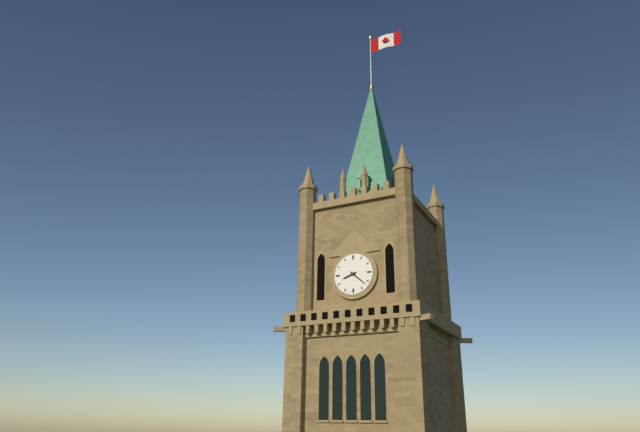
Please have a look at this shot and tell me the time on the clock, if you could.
8:22
